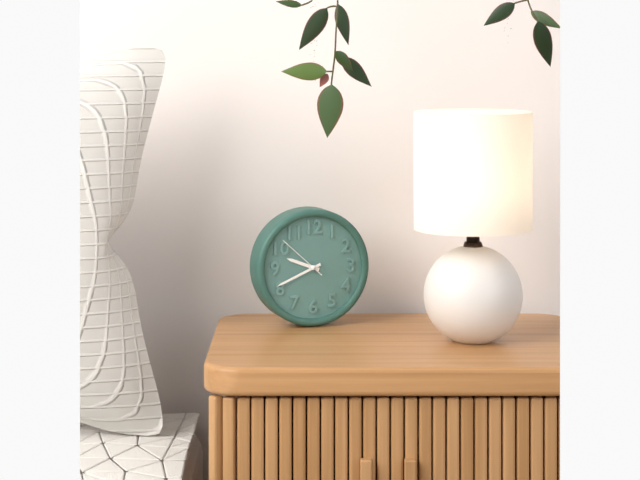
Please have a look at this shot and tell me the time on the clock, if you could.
9:41:52
